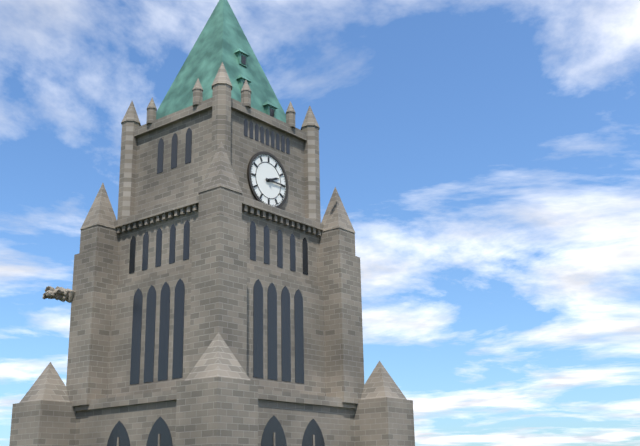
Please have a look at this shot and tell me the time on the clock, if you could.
2:15
